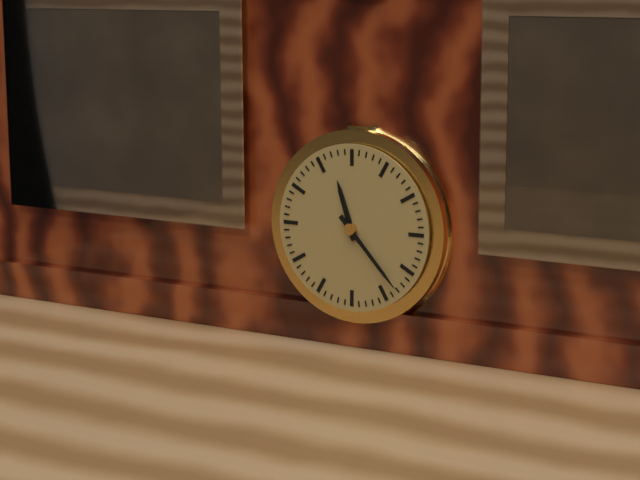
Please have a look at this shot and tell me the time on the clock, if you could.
11:23
